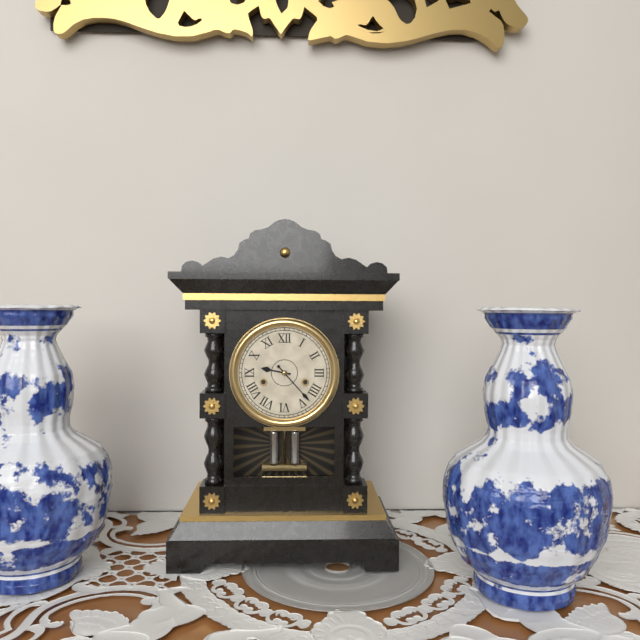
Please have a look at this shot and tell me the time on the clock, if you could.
9:23
